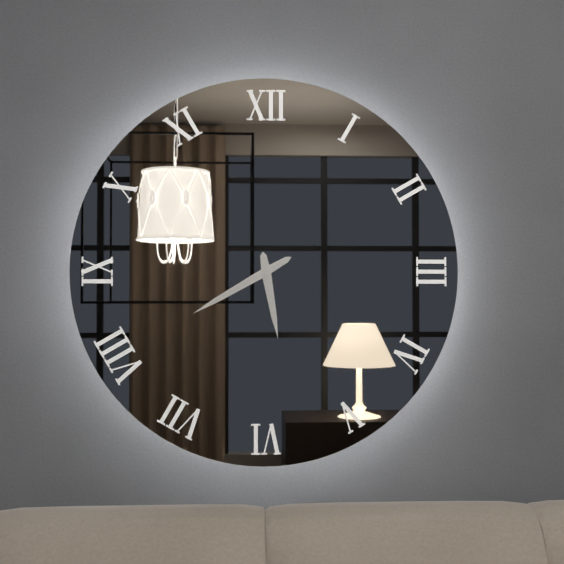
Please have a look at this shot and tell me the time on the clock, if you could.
5:40
